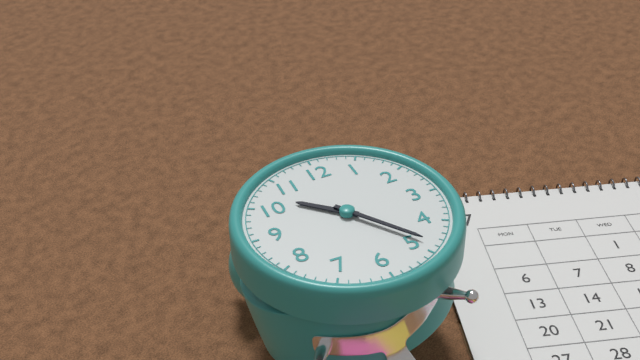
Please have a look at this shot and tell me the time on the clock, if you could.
10:24
